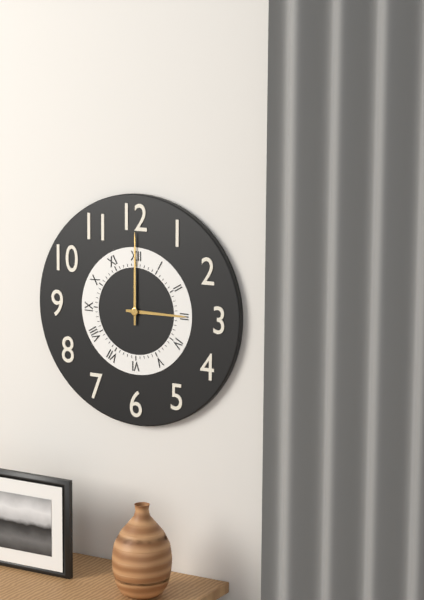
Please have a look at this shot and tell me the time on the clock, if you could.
3:00
